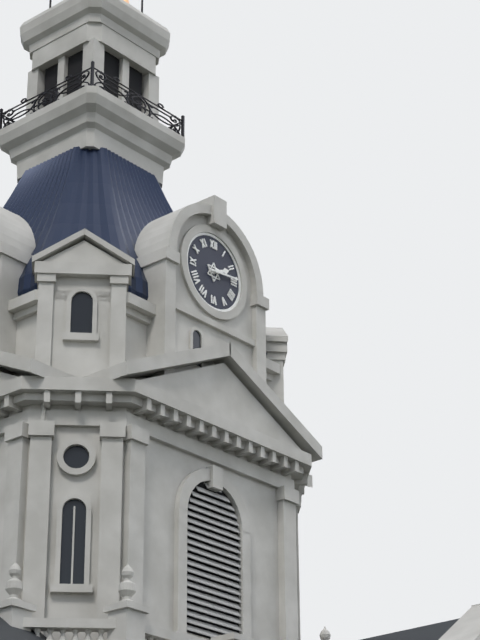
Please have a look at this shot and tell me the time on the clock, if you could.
2:14
